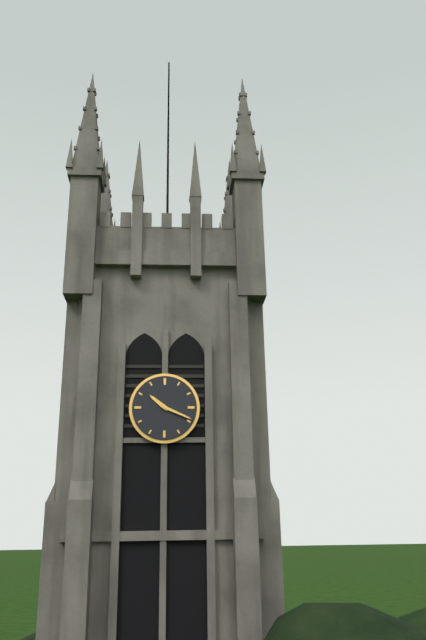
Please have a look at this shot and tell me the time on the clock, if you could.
10:19
